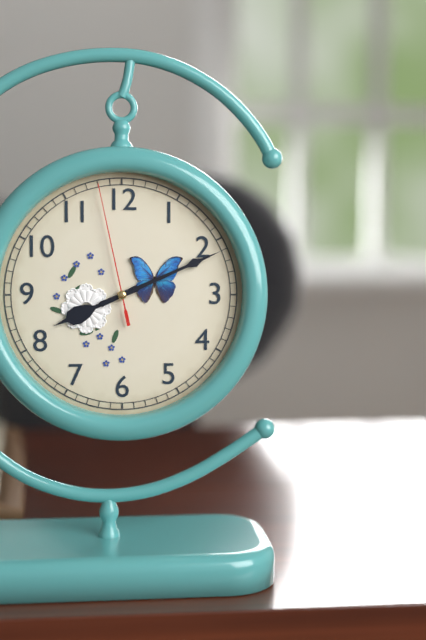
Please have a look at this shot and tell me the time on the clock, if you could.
8:11:58
